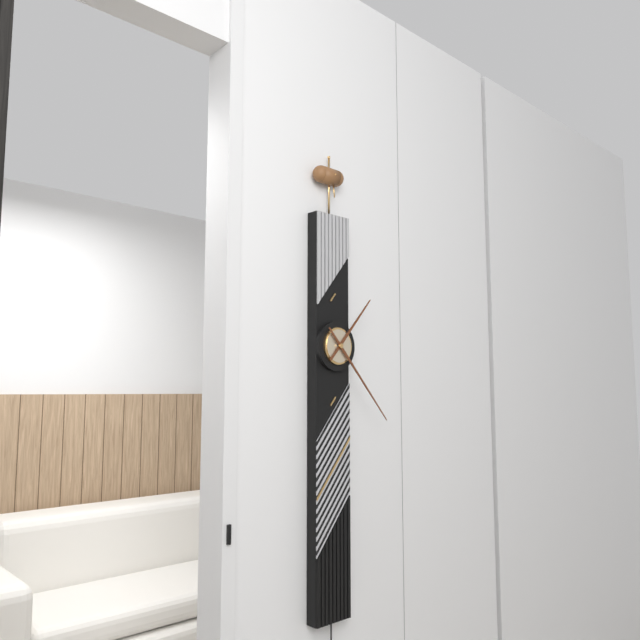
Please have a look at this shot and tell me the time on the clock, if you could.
1:23
